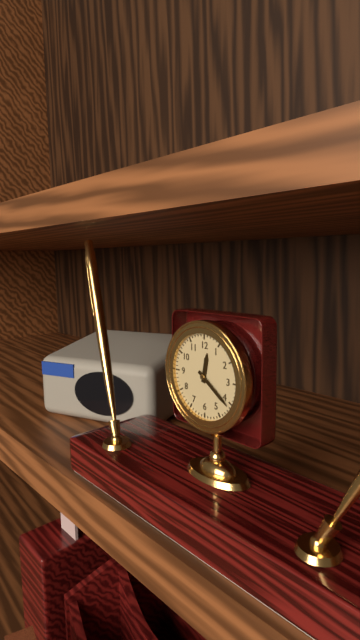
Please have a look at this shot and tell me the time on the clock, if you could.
12:21
